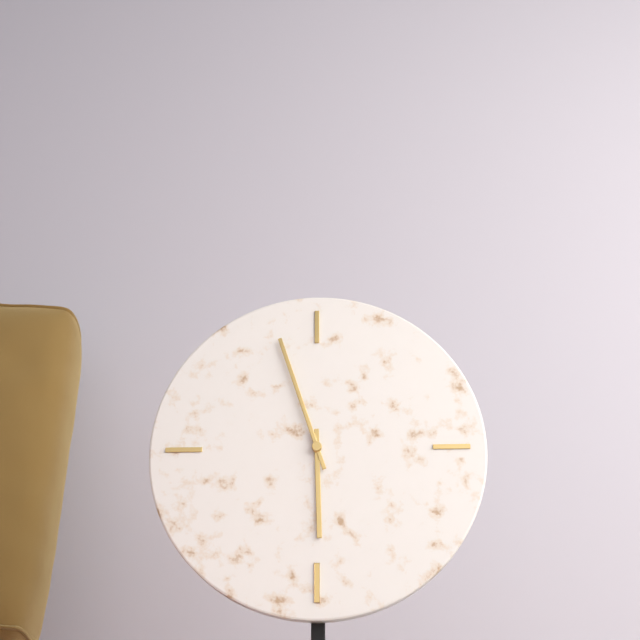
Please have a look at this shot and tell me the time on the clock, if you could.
5:57
